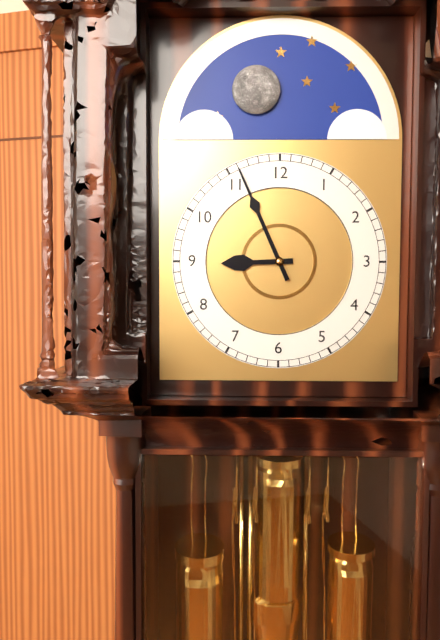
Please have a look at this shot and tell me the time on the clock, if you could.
8:56
